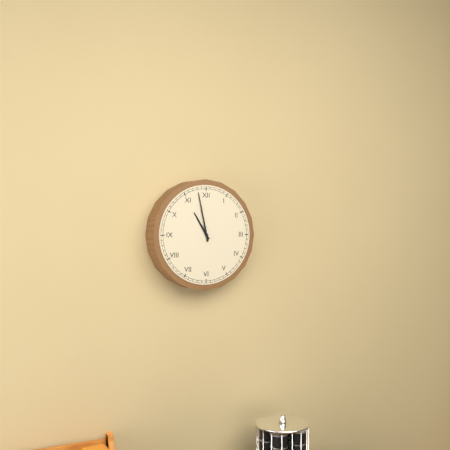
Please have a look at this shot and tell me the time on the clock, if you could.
10:58
